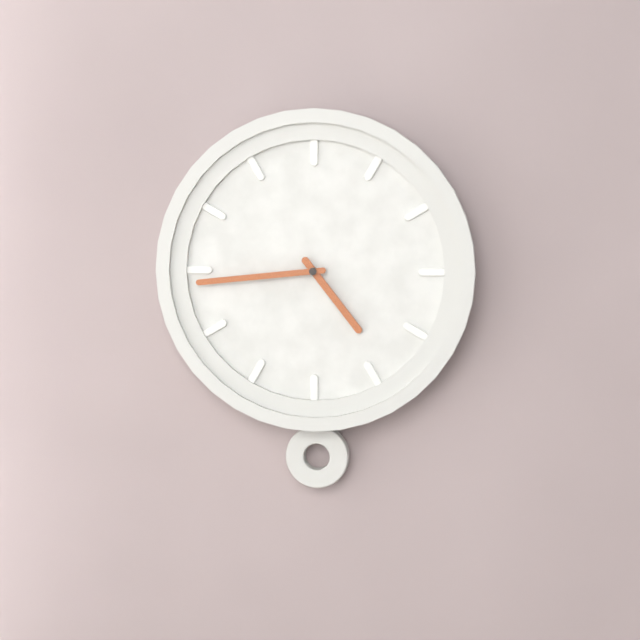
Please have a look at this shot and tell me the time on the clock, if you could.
4:44
